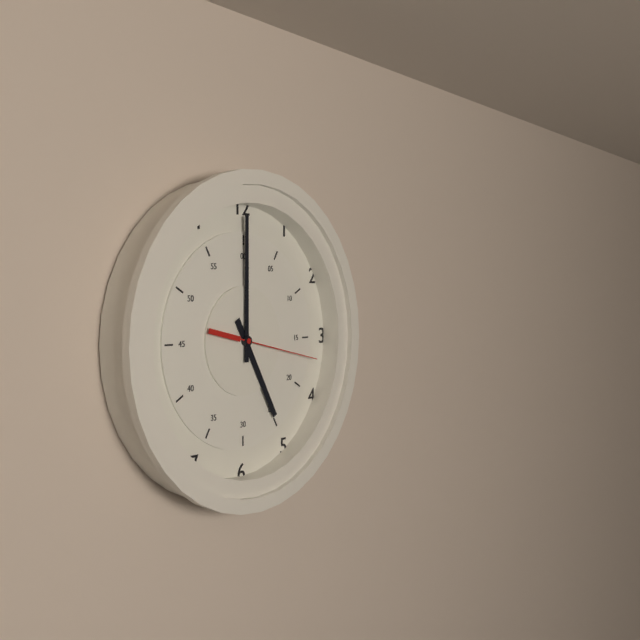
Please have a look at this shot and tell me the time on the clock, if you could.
5:00:17
